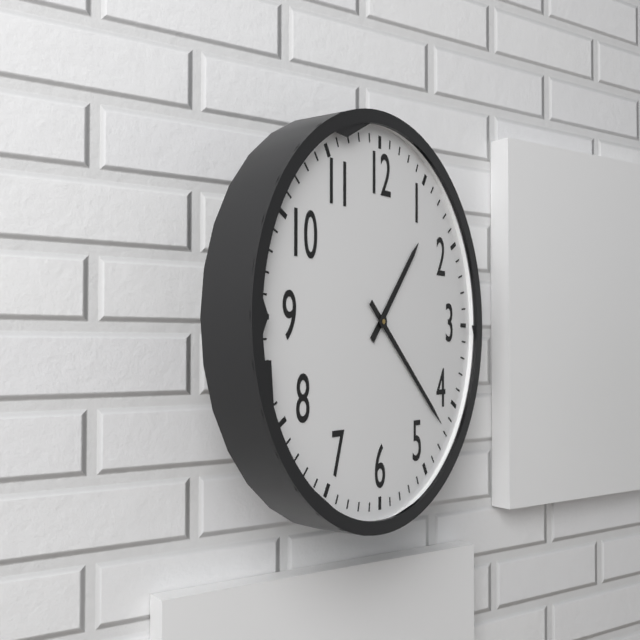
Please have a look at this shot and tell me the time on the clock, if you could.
1:22
